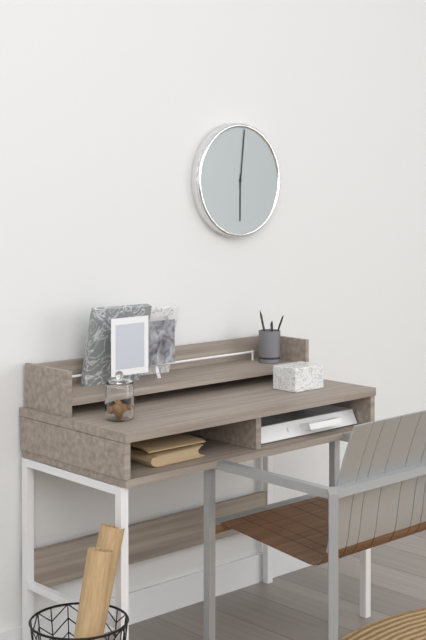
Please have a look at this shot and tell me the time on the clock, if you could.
6:01
